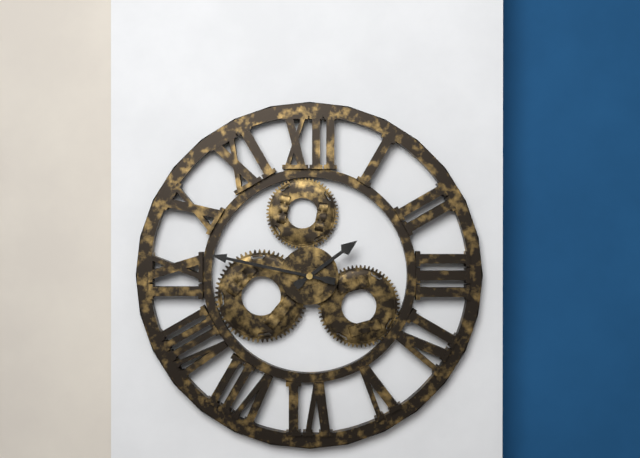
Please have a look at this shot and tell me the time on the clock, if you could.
1:47
